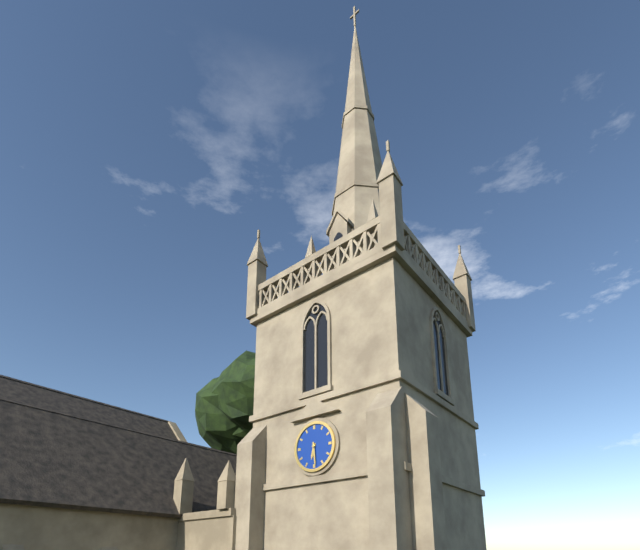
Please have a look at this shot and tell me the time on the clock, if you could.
6:29
